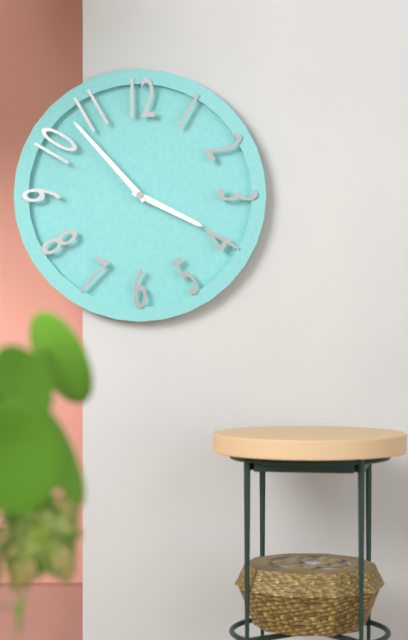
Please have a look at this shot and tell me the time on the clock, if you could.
3:53
